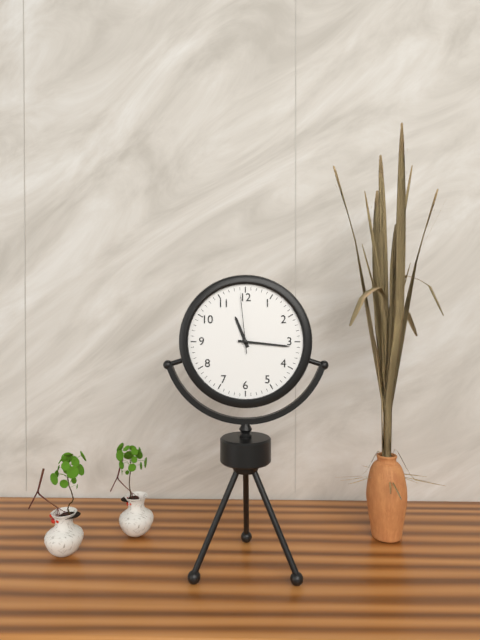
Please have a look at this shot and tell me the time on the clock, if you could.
11:16:59
